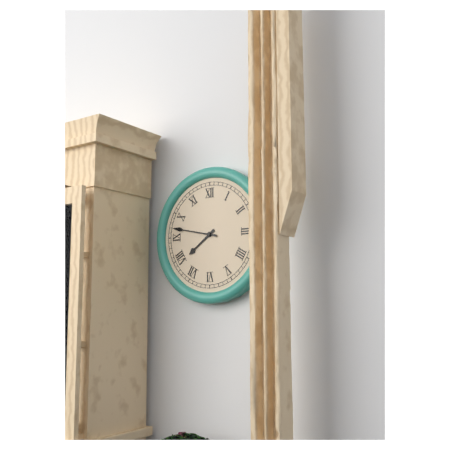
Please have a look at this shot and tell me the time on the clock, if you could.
7:47
